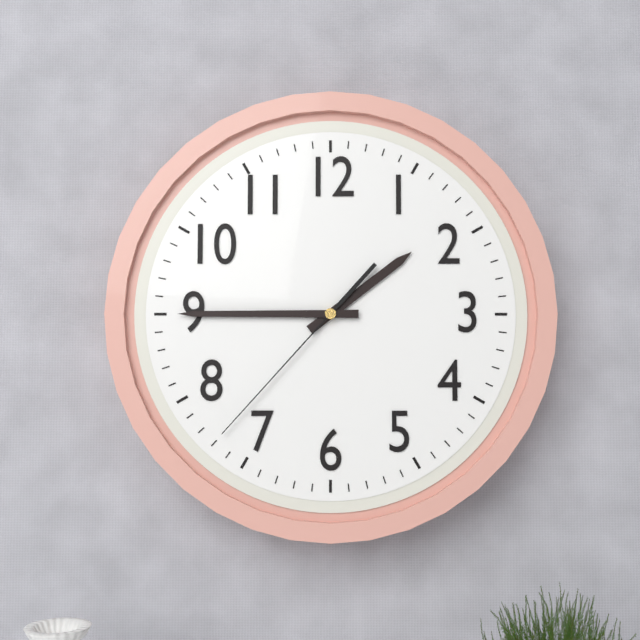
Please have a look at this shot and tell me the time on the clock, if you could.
1:45:37
